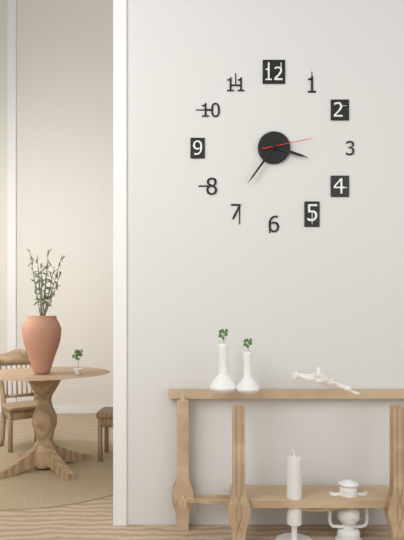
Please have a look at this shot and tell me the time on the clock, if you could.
3:36:13
